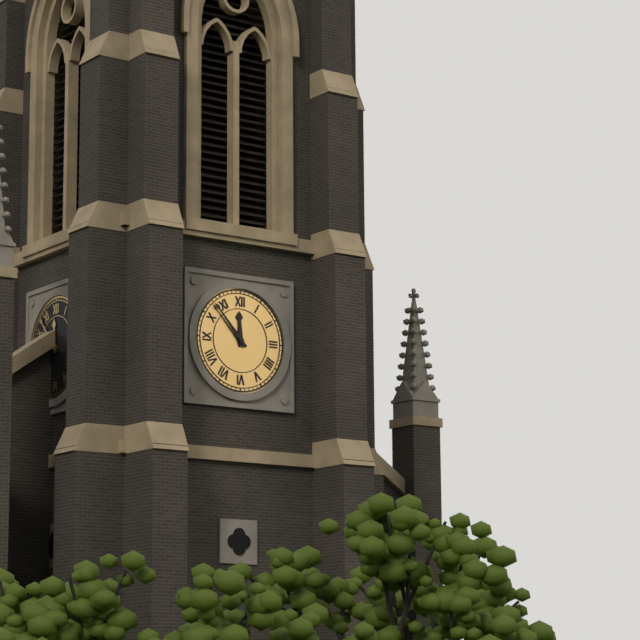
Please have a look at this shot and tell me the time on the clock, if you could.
11:53
